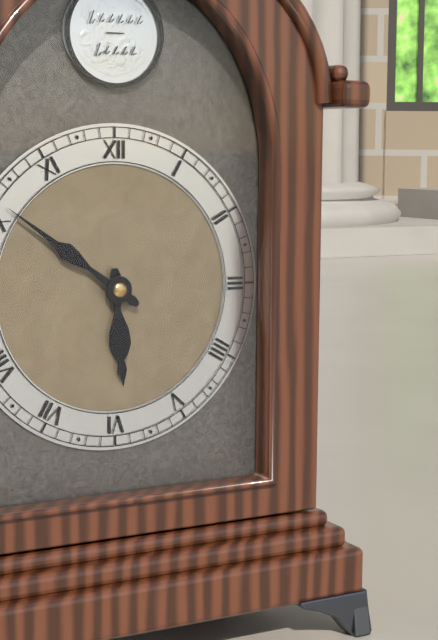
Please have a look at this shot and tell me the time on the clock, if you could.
5:51
